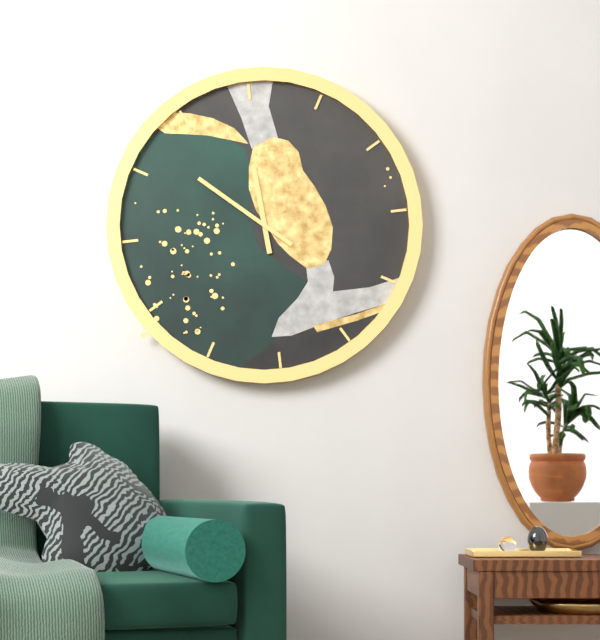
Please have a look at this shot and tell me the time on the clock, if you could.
11:52
